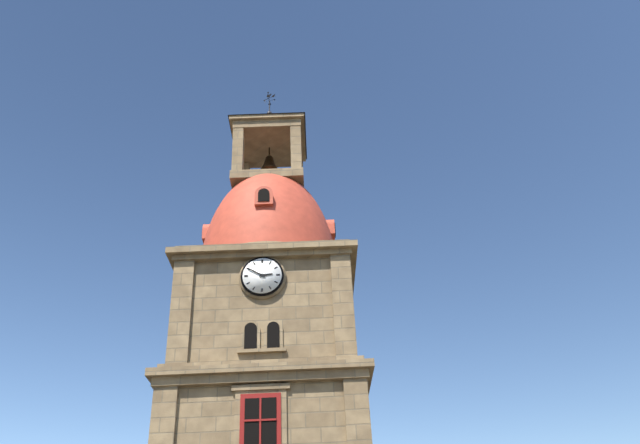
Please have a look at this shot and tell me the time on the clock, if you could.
2:50
